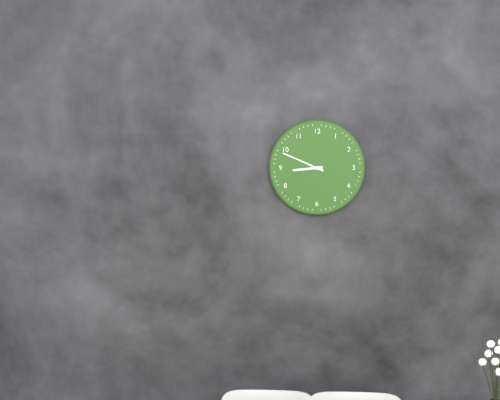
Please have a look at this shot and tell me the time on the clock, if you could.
8:49
